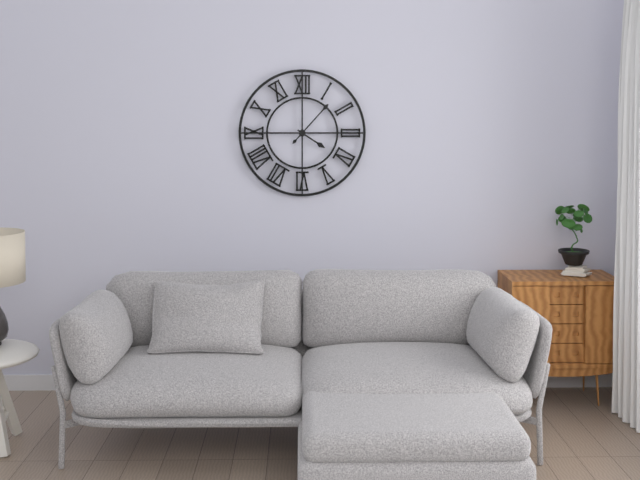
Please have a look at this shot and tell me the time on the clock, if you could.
4:07
